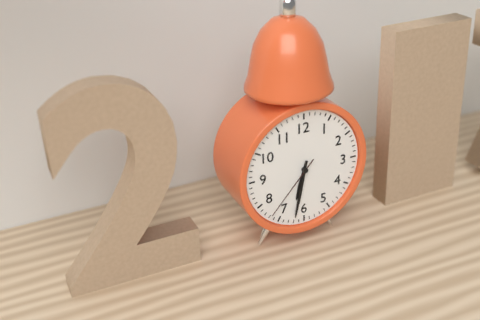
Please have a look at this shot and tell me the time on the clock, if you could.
6:32:37
